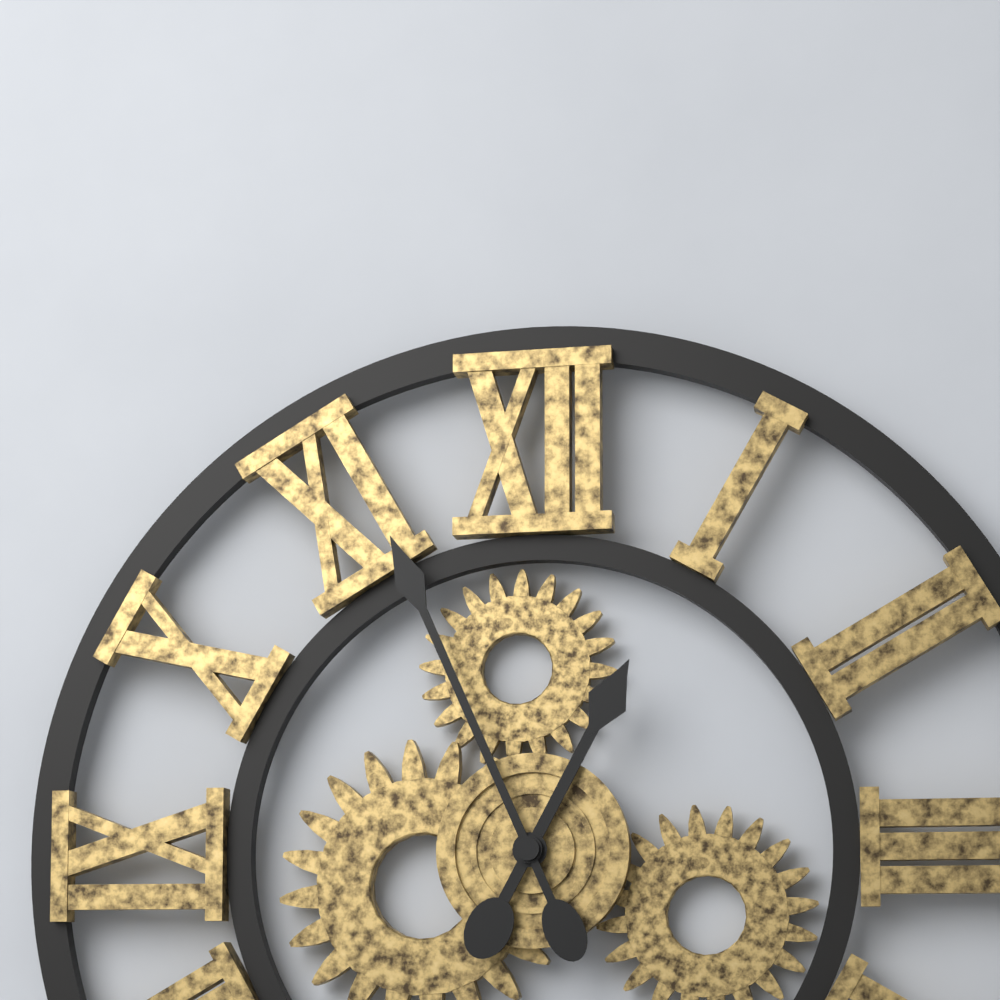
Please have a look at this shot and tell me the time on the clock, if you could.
12:56
